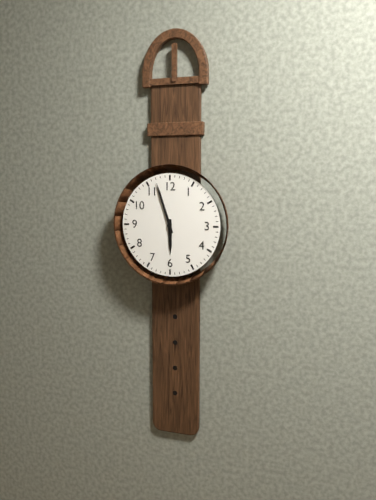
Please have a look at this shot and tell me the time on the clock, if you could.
5:57
